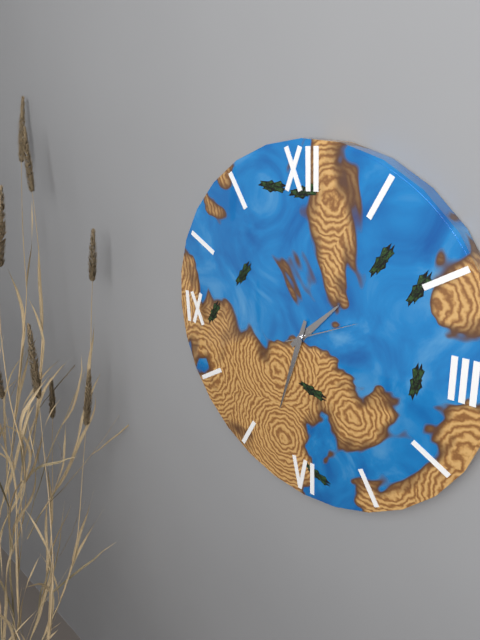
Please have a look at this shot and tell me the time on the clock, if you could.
1:33:11
